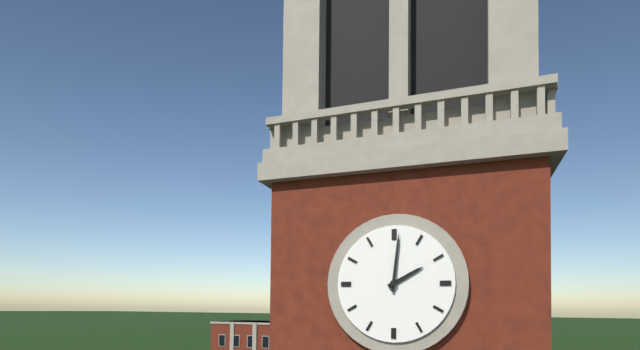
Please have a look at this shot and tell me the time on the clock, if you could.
2:01
